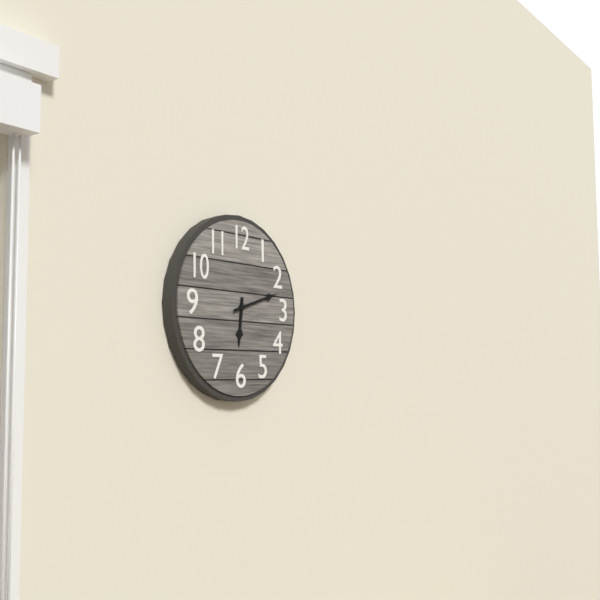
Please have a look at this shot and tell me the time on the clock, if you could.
6:12
